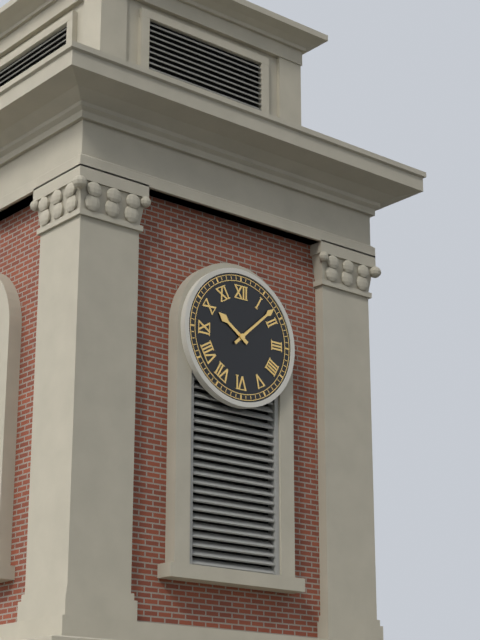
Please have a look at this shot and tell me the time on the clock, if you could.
10:08
